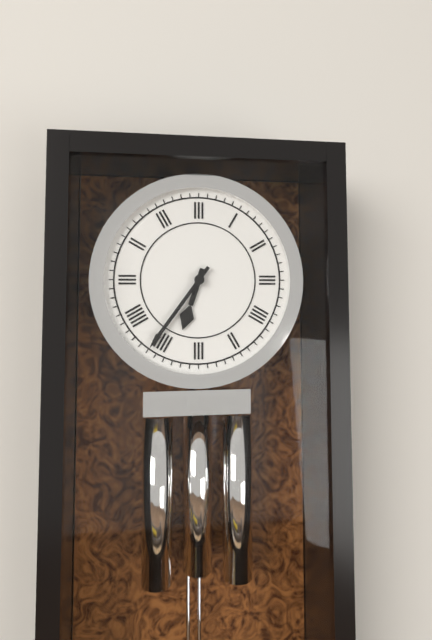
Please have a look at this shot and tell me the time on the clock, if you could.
6:36
